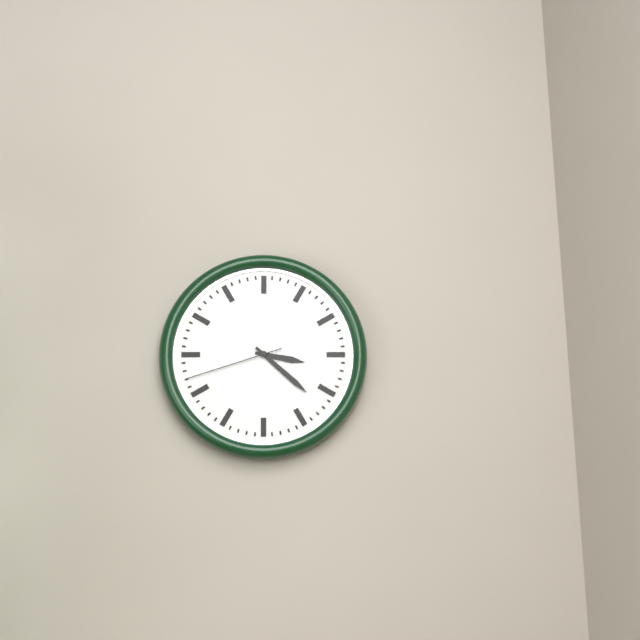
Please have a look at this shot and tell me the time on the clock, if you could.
3:22:42
